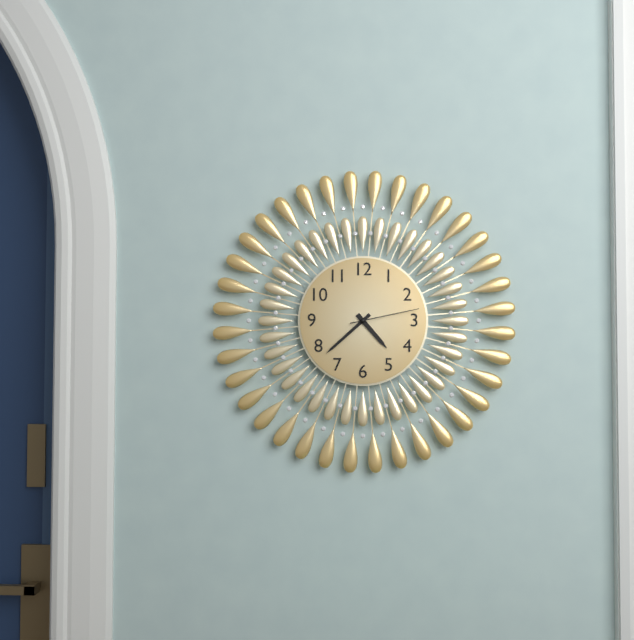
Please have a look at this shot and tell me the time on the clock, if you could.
4:38:13
